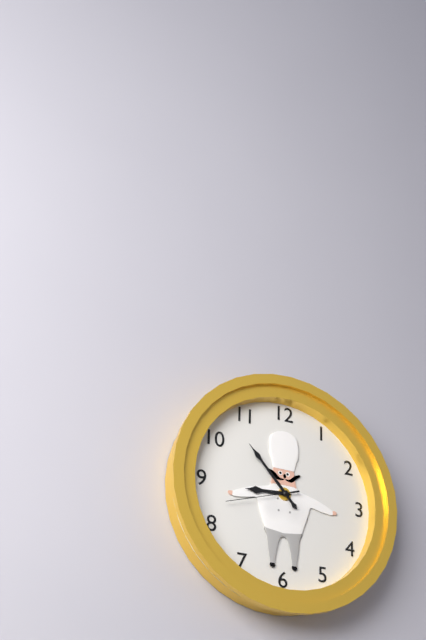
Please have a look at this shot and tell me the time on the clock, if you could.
8:53:42
